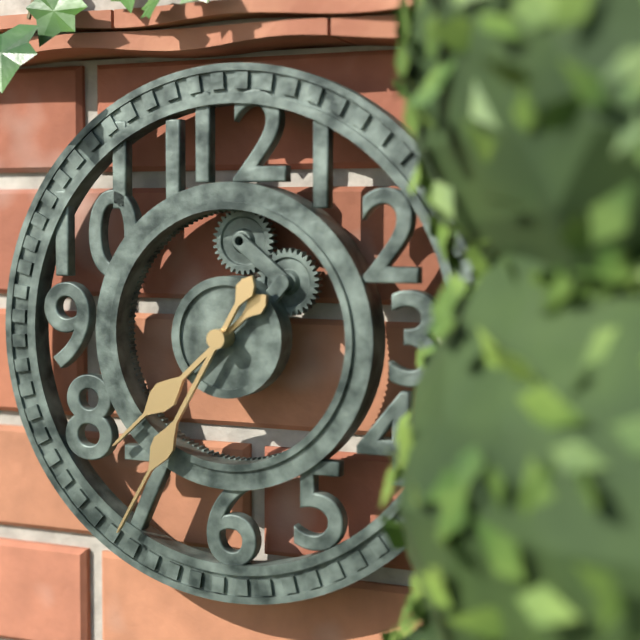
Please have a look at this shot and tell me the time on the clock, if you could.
7:35
